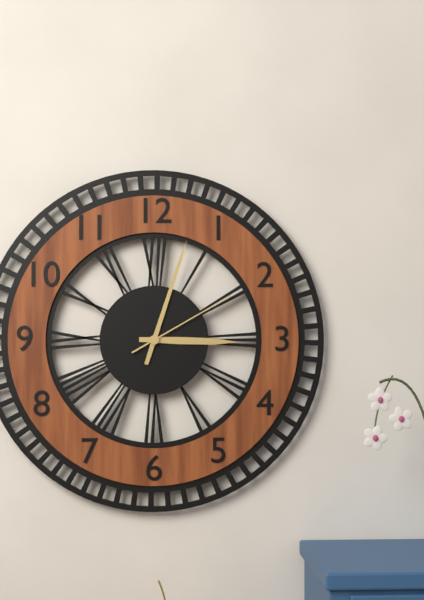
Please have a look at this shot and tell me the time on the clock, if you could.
3:03:10
